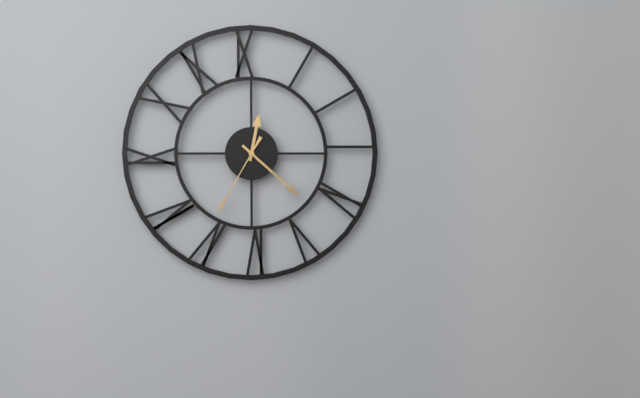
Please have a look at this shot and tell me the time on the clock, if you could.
12:22:35
